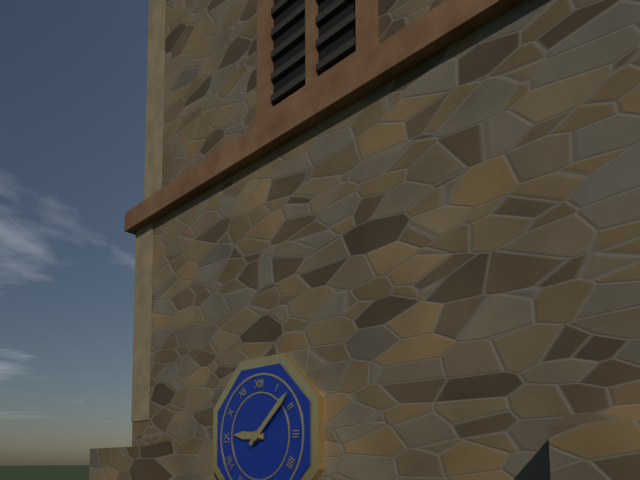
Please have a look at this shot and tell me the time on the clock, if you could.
9:08
